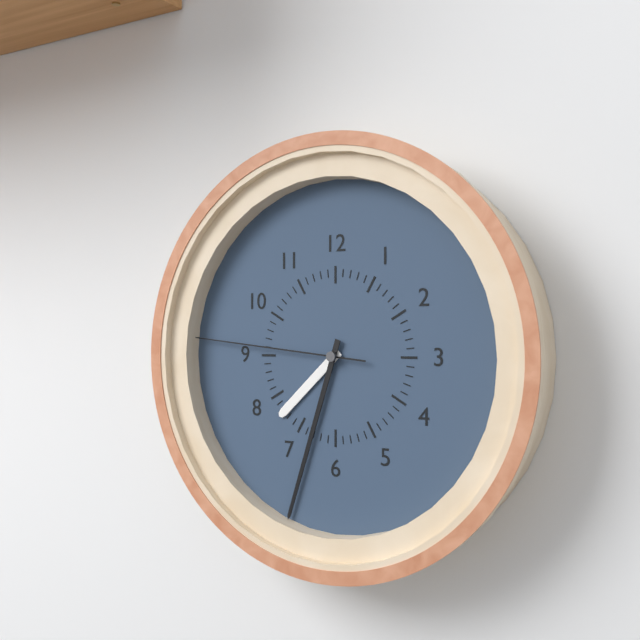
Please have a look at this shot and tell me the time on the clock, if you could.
7:33:46
